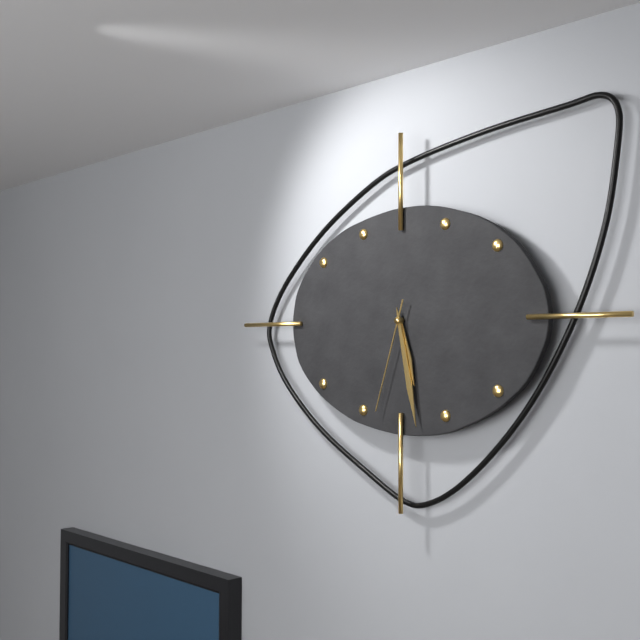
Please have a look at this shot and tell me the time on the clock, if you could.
5:28:33
